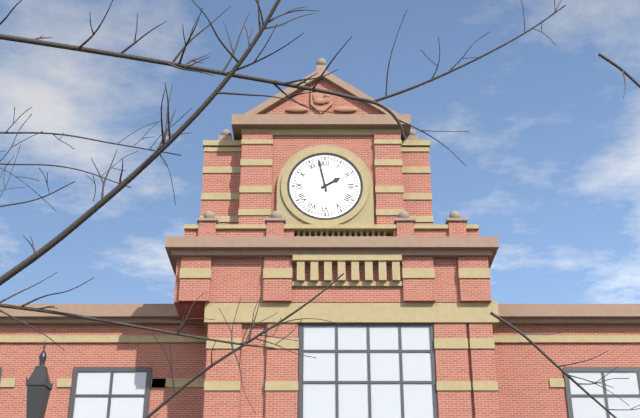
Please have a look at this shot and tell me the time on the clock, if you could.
1:58
